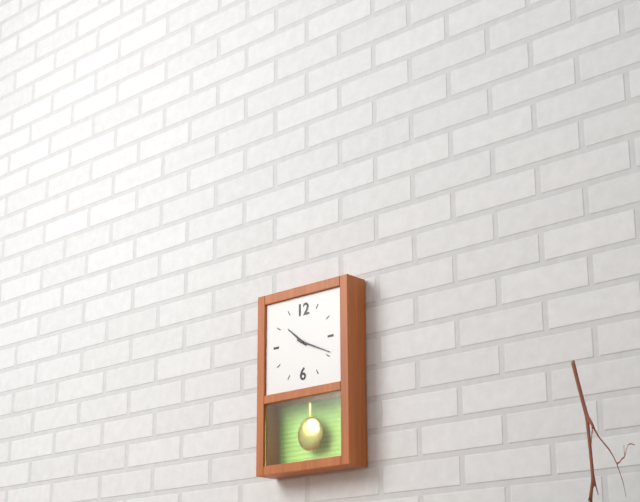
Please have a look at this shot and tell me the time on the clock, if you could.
10:19
